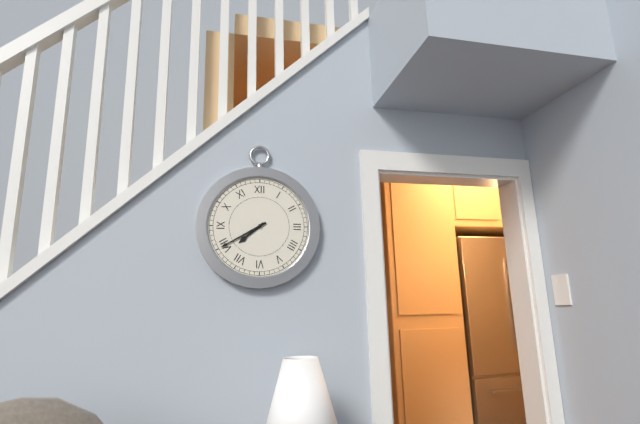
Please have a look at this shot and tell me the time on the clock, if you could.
7:40
